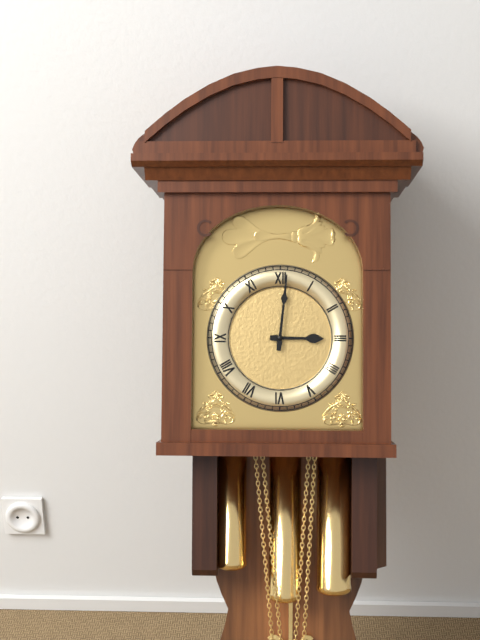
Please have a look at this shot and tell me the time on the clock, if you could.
3:01
